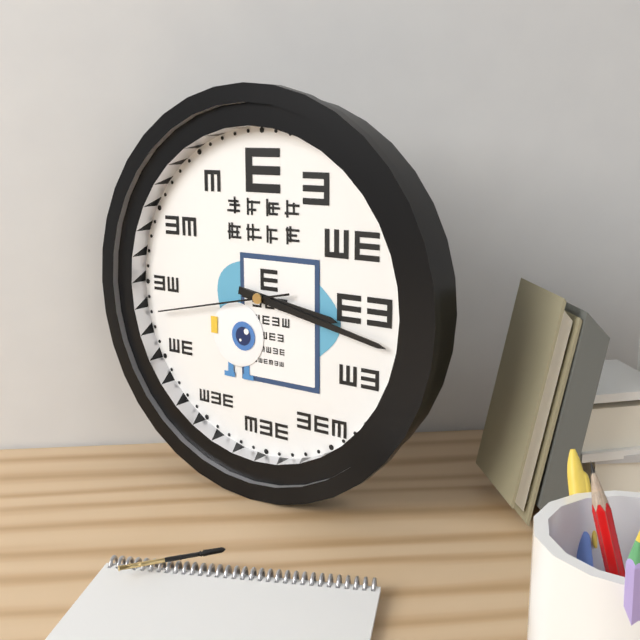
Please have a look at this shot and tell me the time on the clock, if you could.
3:17:43
